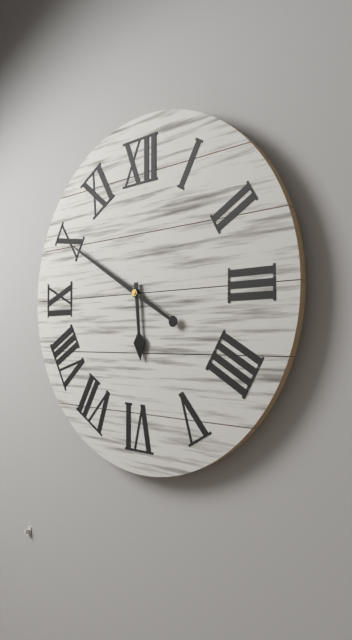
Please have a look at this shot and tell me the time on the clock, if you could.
5:50
